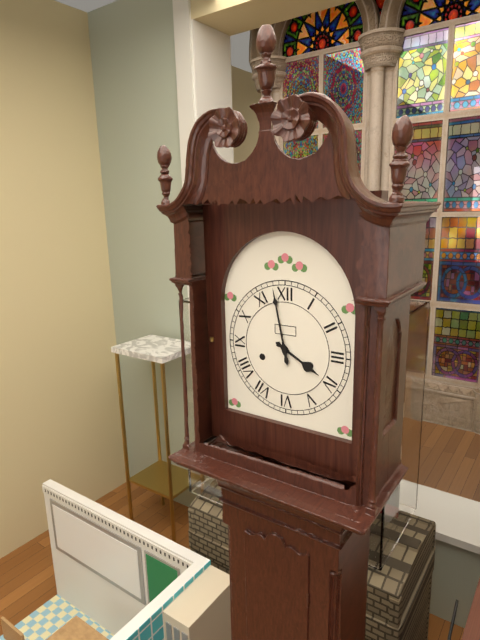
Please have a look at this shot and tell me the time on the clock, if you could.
3:58
